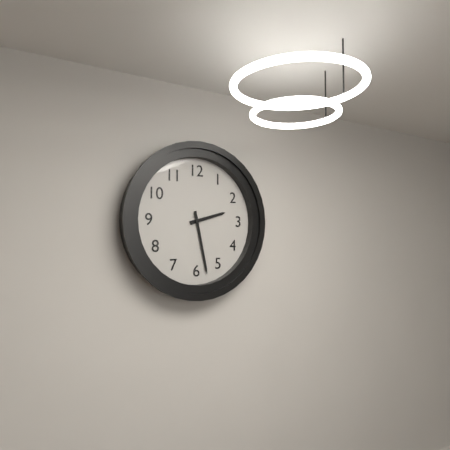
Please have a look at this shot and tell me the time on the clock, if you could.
2:28
